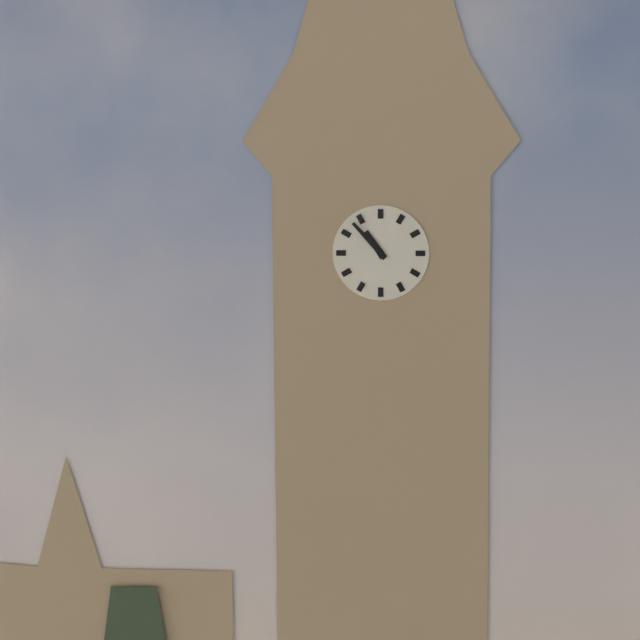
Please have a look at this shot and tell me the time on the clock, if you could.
10:53
